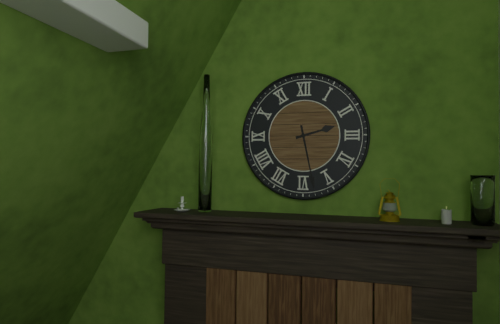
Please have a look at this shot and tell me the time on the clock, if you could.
2:28
